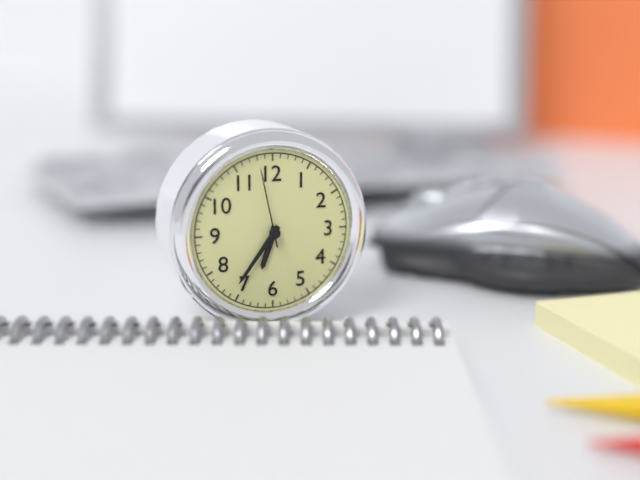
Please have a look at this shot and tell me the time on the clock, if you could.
6:36:58
